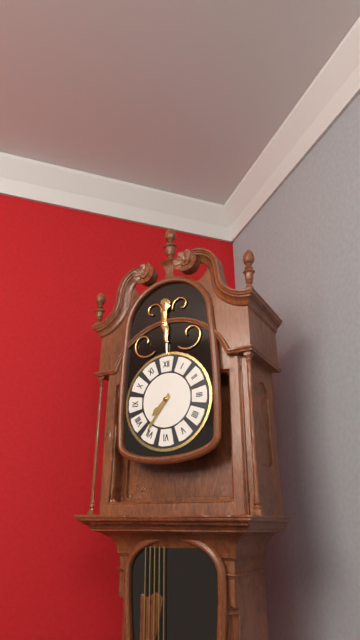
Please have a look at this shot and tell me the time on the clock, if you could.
7:36
